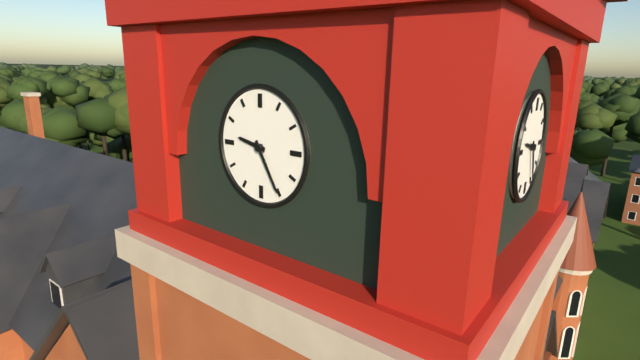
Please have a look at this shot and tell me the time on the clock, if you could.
9:25
